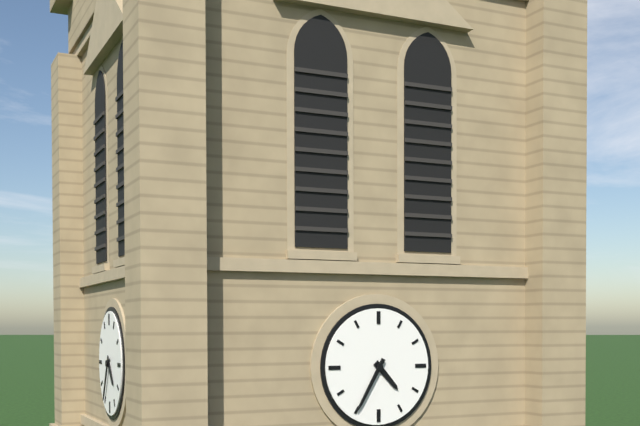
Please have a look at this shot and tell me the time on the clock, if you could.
4:35
